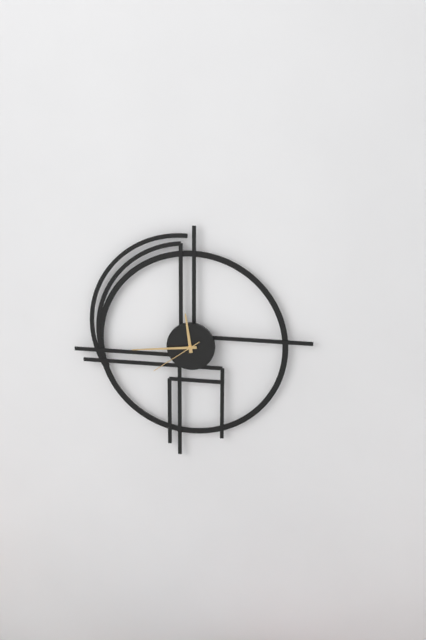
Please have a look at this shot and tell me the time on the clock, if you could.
11:44:39
